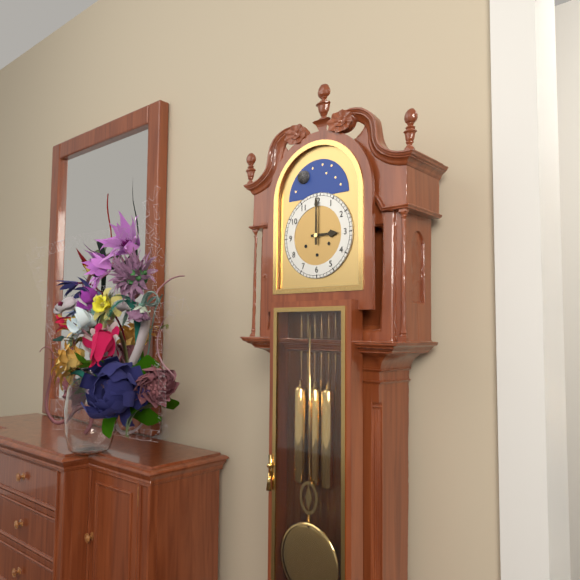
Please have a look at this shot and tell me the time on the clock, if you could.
3:00
